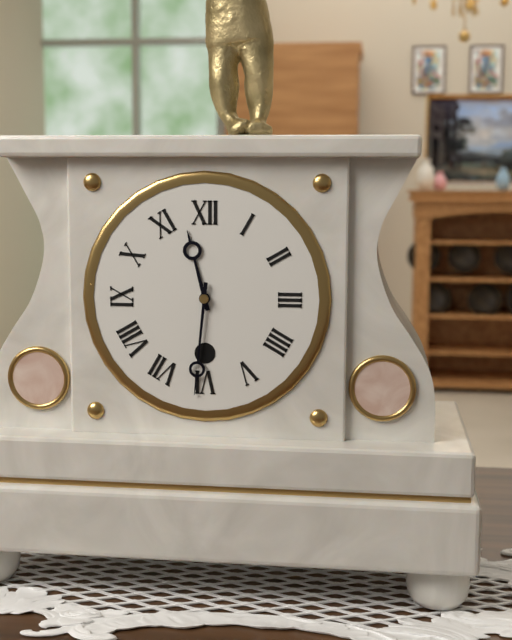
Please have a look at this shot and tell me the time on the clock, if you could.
11:31
